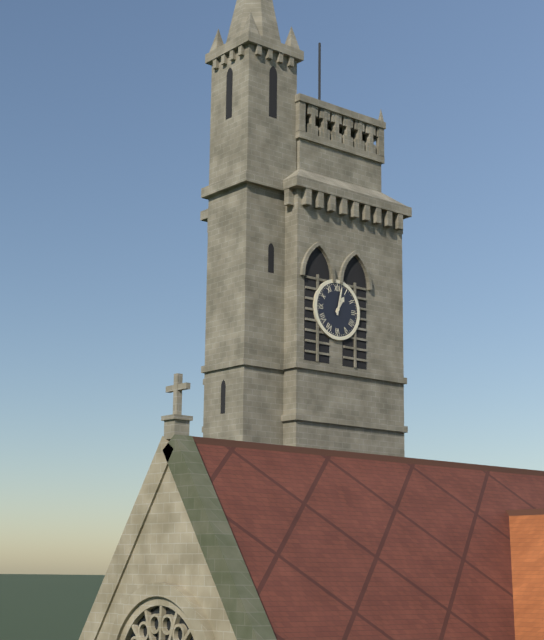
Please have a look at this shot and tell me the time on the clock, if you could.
1:02
